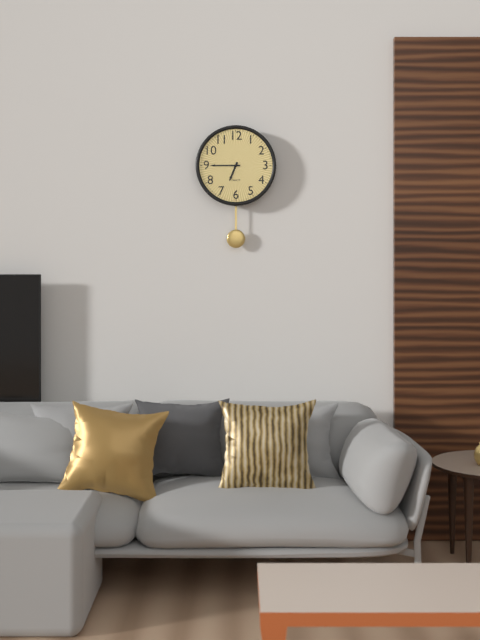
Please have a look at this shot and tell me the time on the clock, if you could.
6:45
